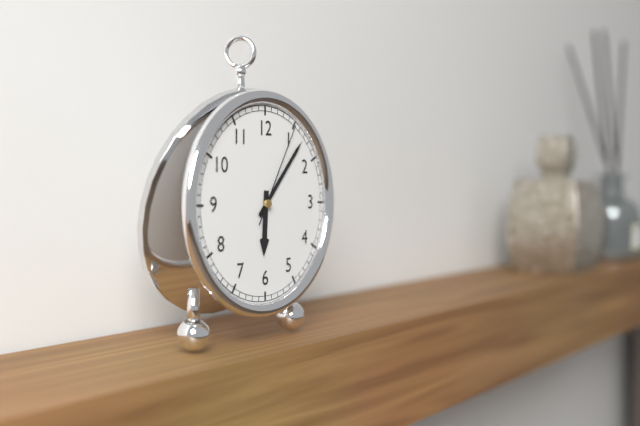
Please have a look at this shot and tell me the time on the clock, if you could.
6:07:05
